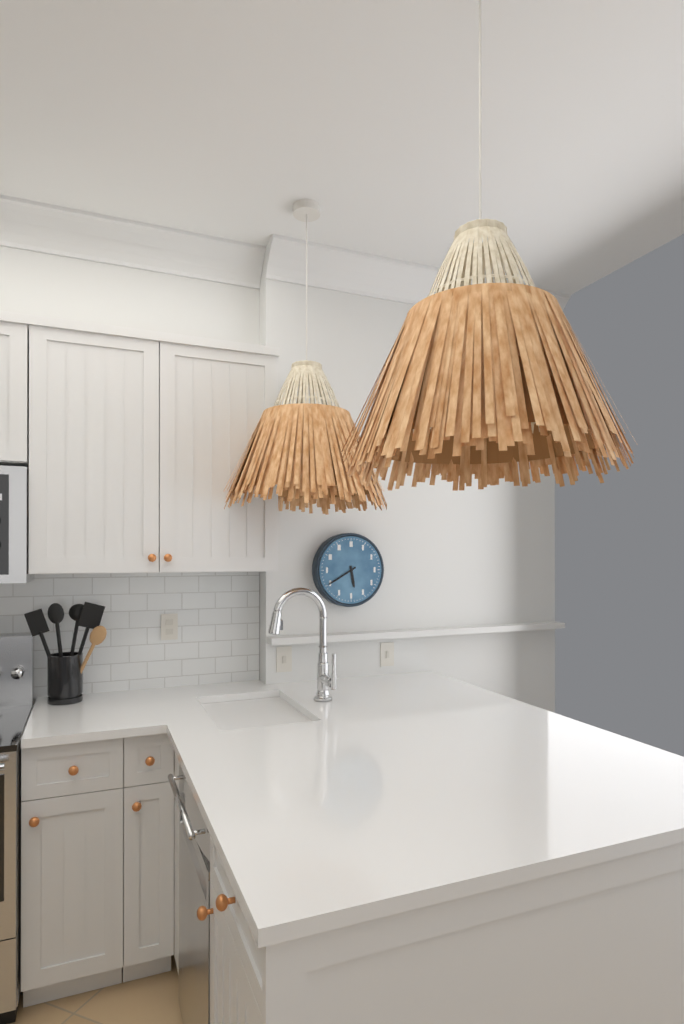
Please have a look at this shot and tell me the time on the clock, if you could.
5:40
